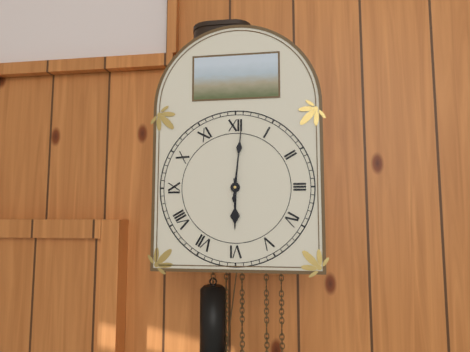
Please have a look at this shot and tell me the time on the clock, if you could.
6:01
